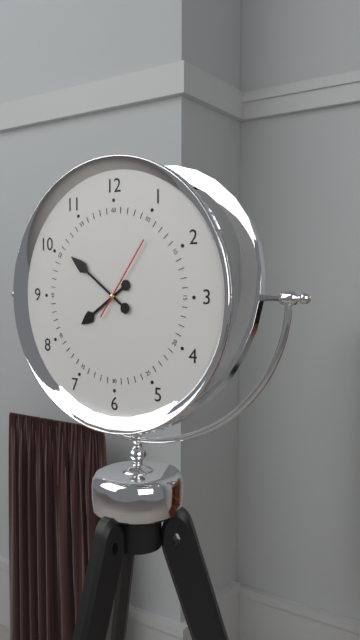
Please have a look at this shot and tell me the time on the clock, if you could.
7:51:06
